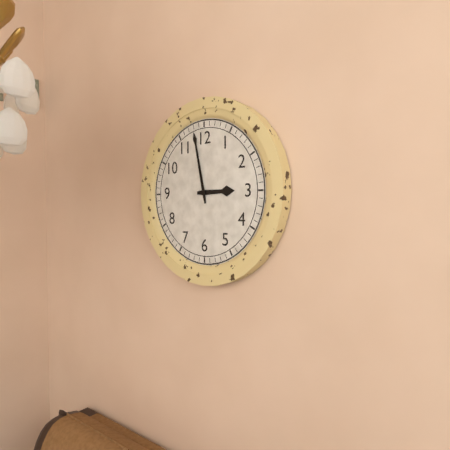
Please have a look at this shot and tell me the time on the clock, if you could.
2:58
